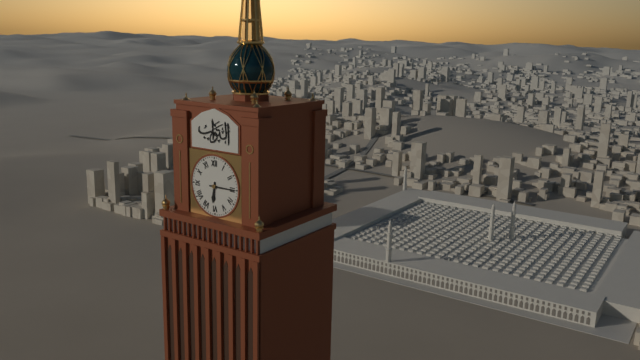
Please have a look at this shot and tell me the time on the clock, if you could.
6:15
